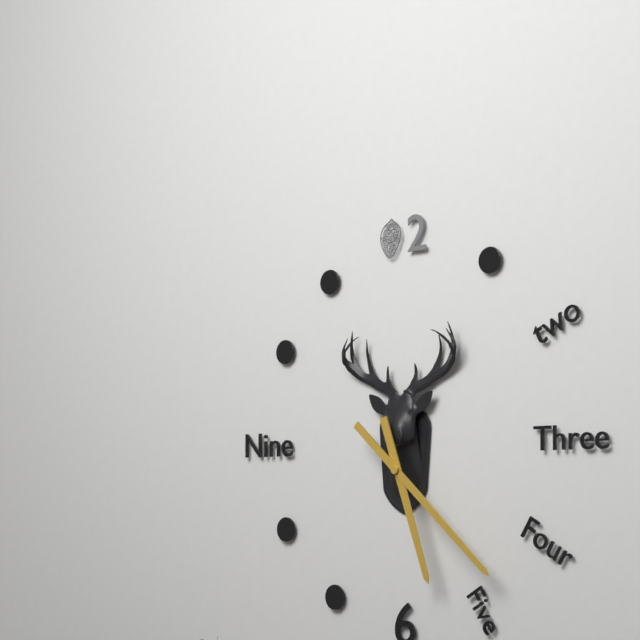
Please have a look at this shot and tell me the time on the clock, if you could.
5:22
